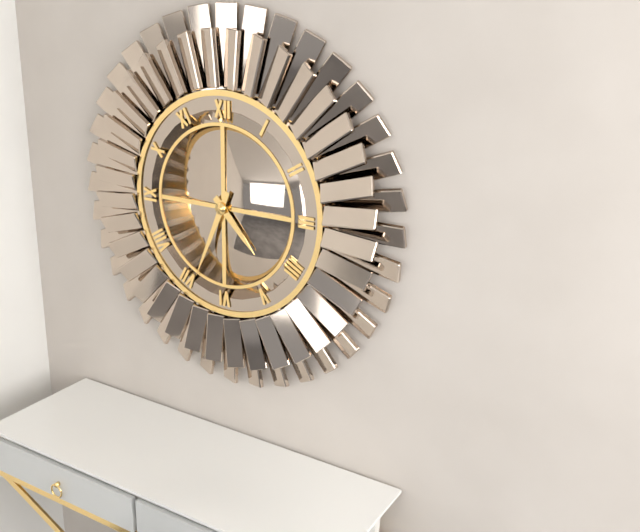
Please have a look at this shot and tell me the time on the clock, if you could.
4:34
